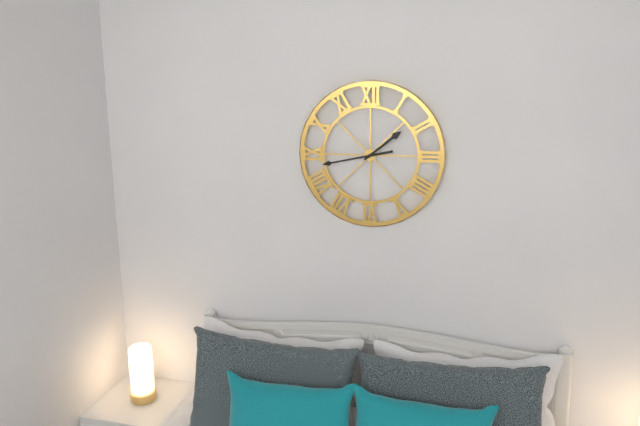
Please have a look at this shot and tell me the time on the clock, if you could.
1:43
